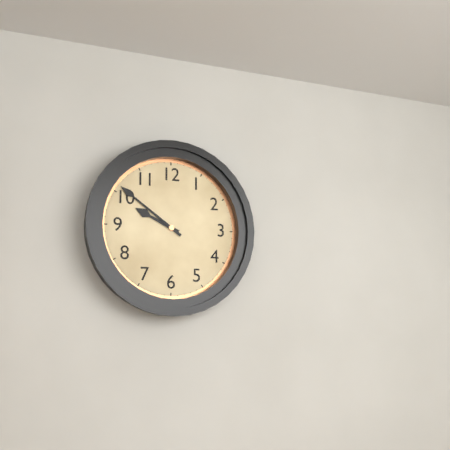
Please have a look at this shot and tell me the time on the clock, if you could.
9:51
